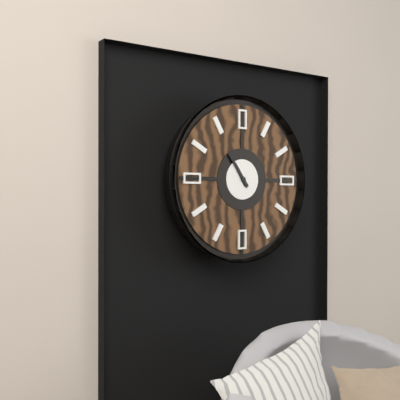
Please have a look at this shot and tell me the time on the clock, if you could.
10:54
